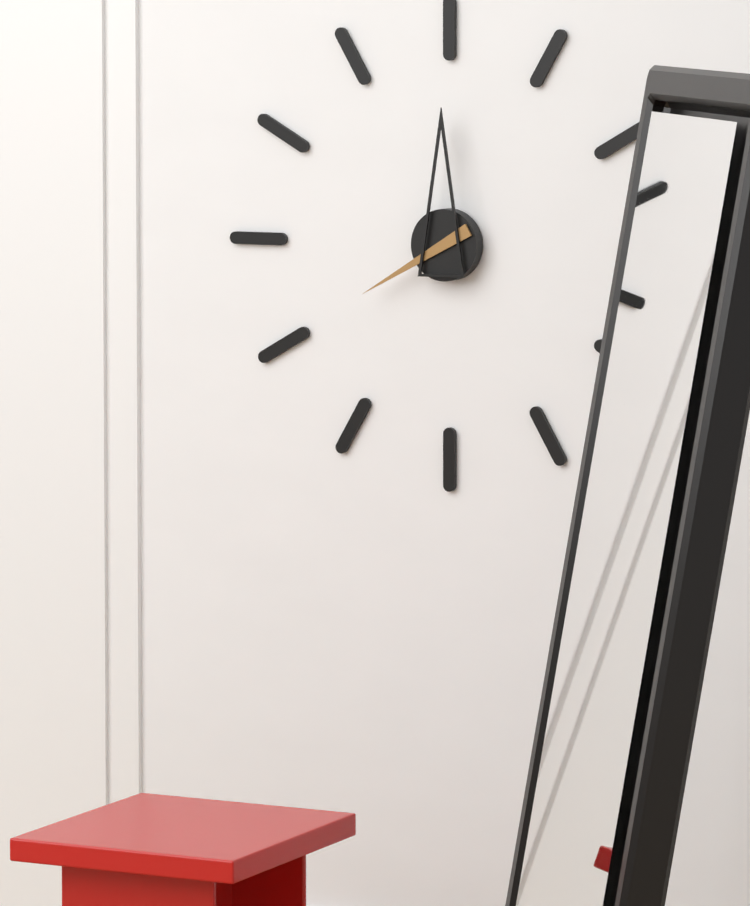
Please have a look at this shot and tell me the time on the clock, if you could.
8:00
